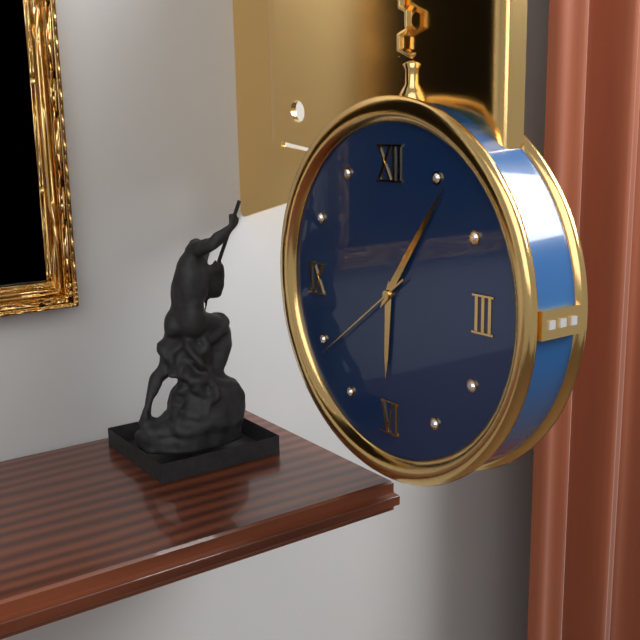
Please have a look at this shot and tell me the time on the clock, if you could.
6:06:39
